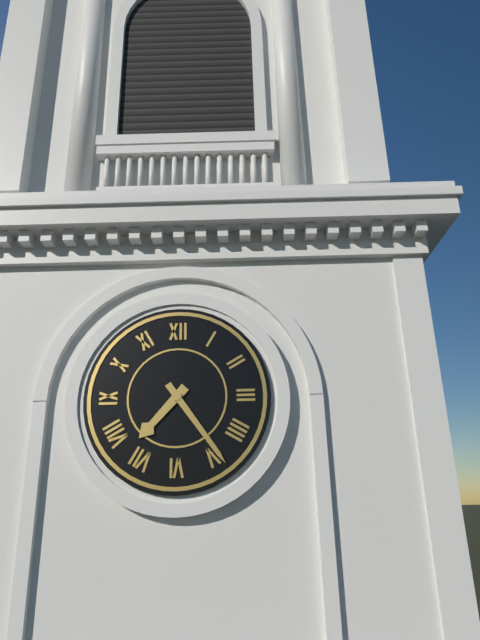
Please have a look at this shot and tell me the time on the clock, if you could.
7:24
